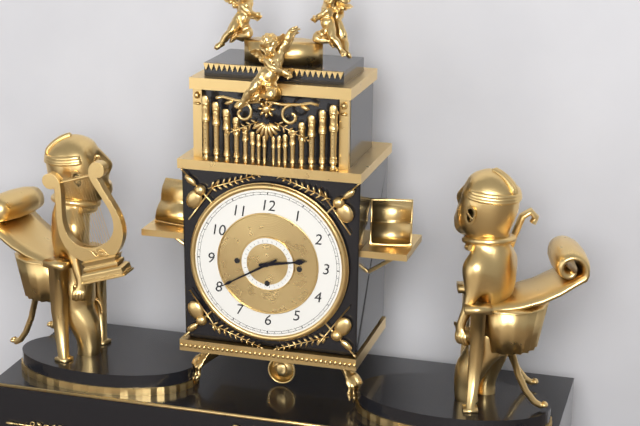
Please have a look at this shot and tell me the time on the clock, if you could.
2:40
